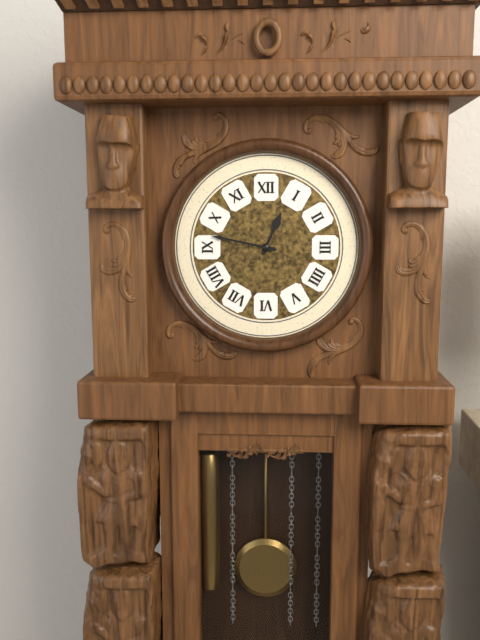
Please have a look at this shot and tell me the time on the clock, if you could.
12:47
